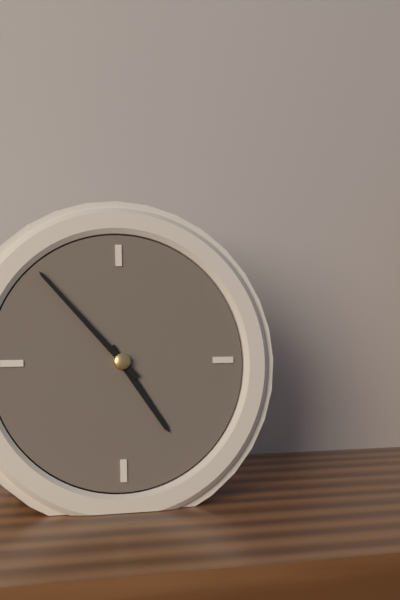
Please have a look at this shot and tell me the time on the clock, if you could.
4:53
